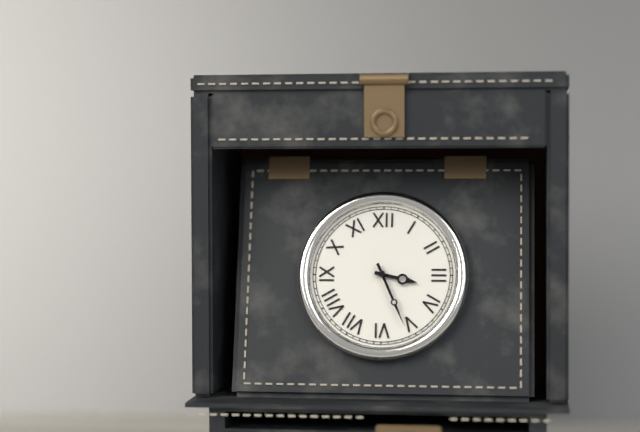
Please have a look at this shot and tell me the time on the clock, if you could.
3:26
